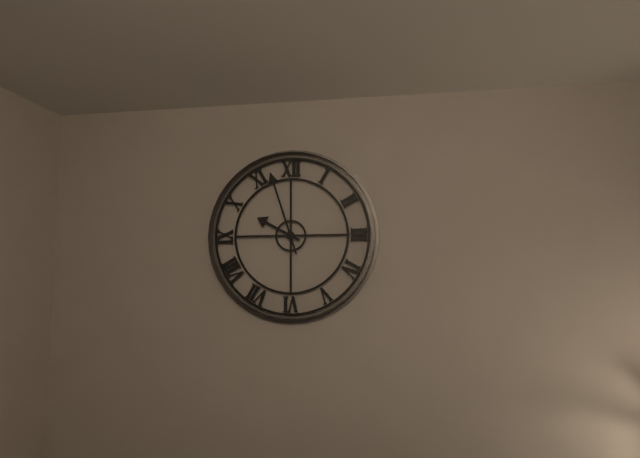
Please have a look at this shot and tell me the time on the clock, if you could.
9:57
